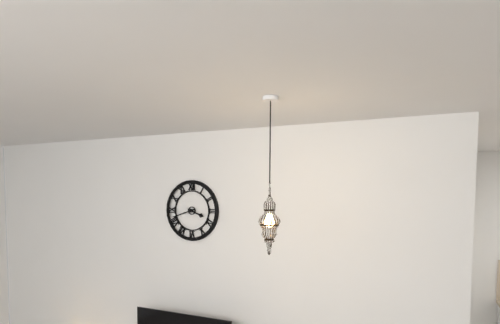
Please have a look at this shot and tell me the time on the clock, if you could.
3:42
